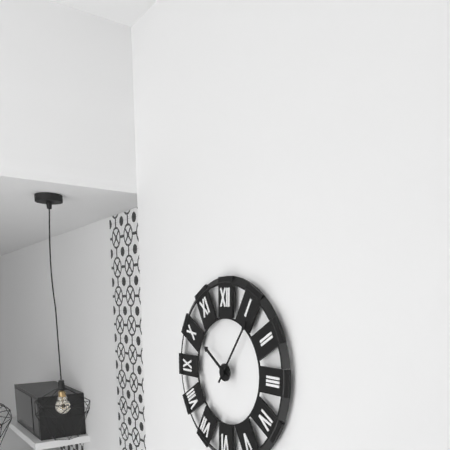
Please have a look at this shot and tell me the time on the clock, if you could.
10:06
